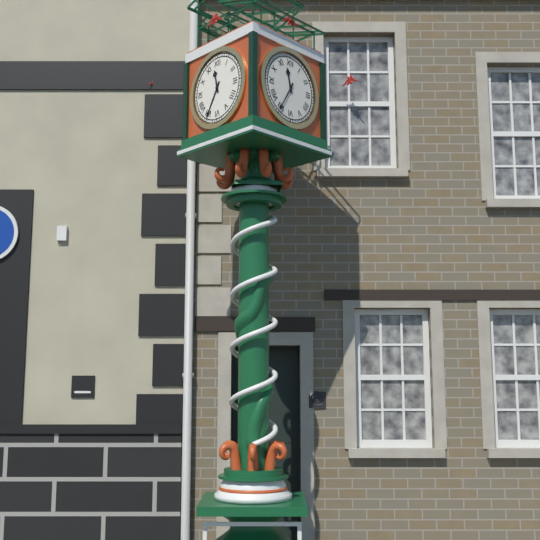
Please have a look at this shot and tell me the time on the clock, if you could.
11:35
